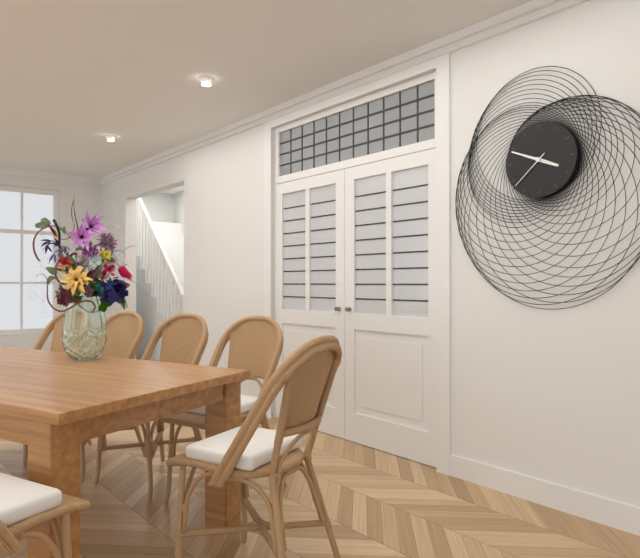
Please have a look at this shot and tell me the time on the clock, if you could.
3:49
